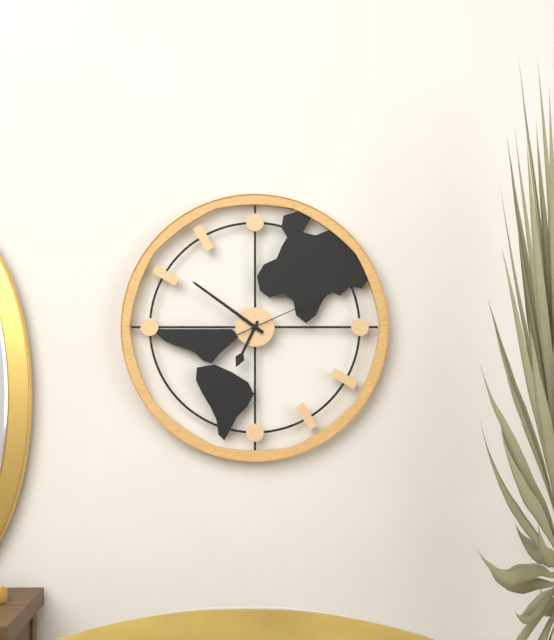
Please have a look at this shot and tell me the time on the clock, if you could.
6:51:11
